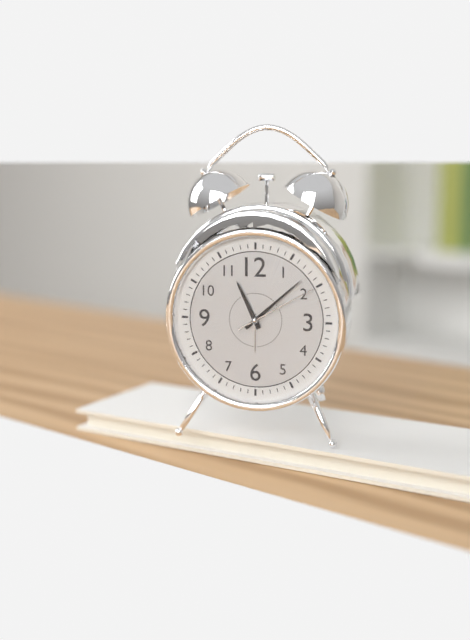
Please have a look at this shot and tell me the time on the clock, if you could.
11:08:10
